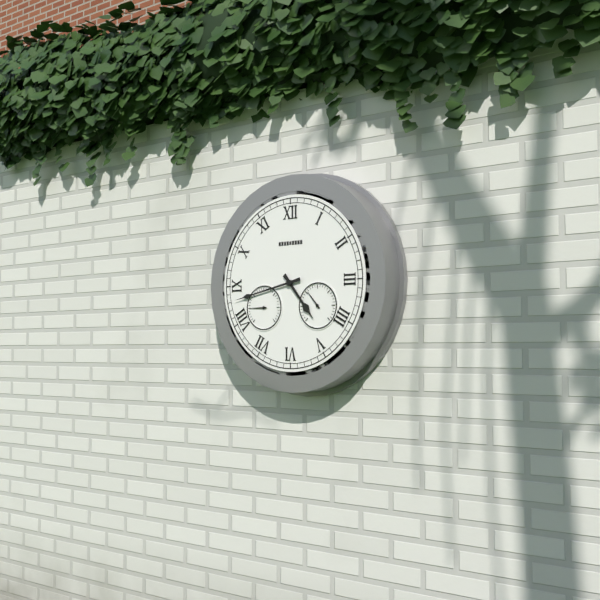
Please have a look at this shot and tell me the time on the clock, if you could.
4:43
